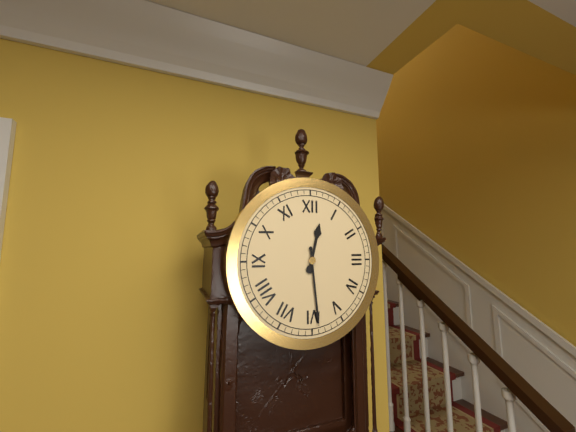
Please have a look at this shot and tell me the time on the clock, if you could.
12:29
